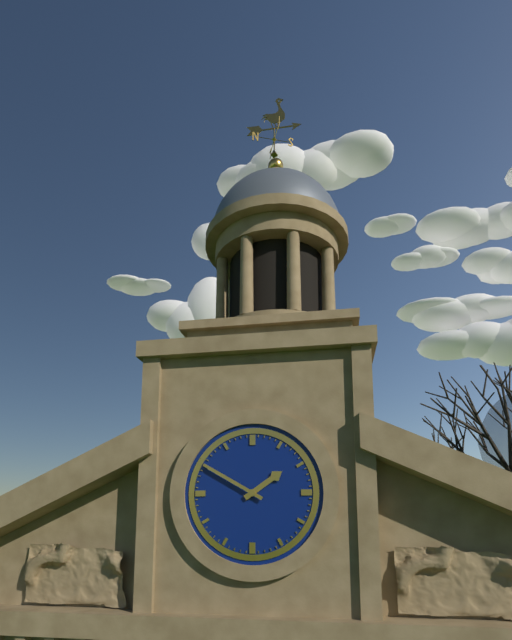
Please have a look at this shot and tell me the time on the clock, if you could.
1:50
